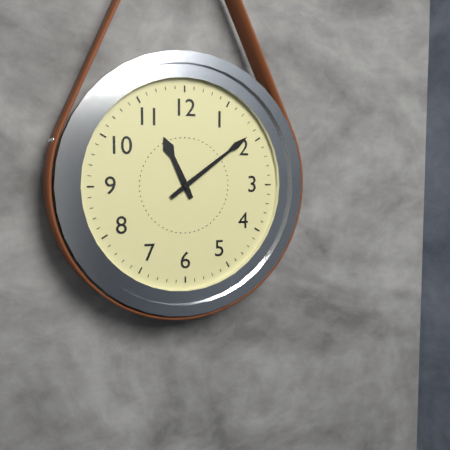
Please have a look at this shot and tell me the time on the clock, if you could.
11:09
